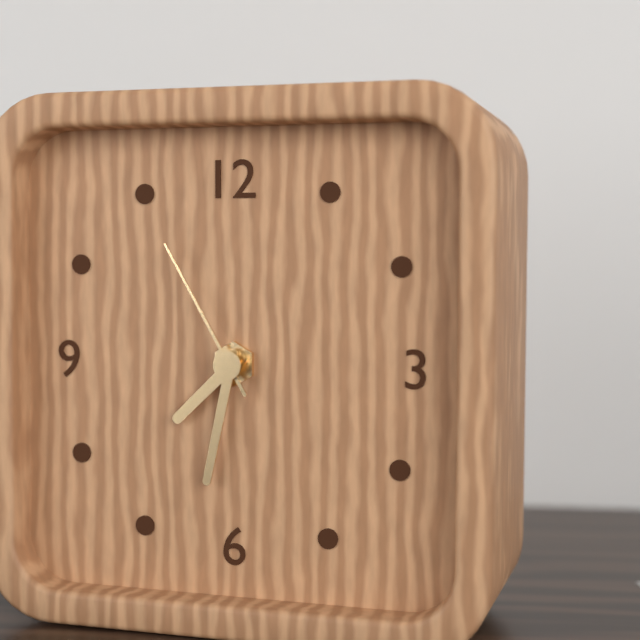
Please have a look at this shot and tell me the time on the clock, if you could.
7:32:55
